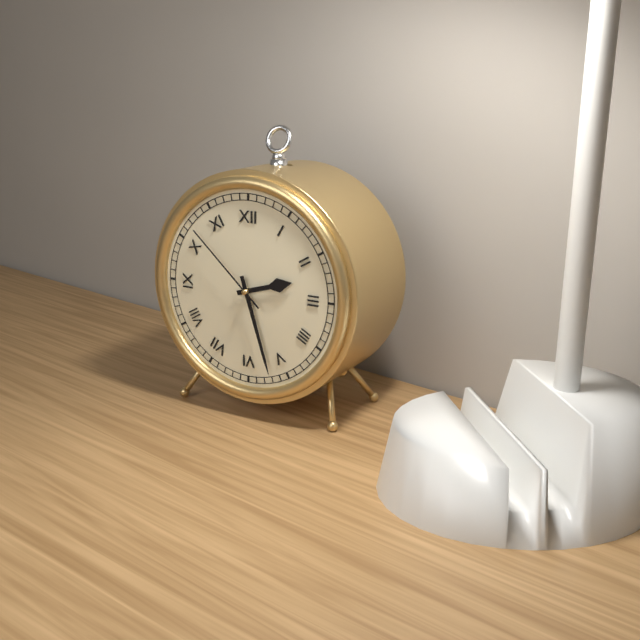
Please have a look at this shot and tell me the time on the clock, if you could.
2:27:52
